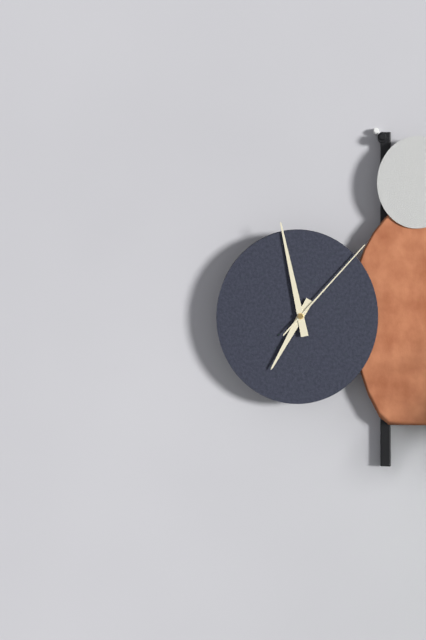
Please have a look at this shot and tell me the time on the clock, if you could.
6:58:07
